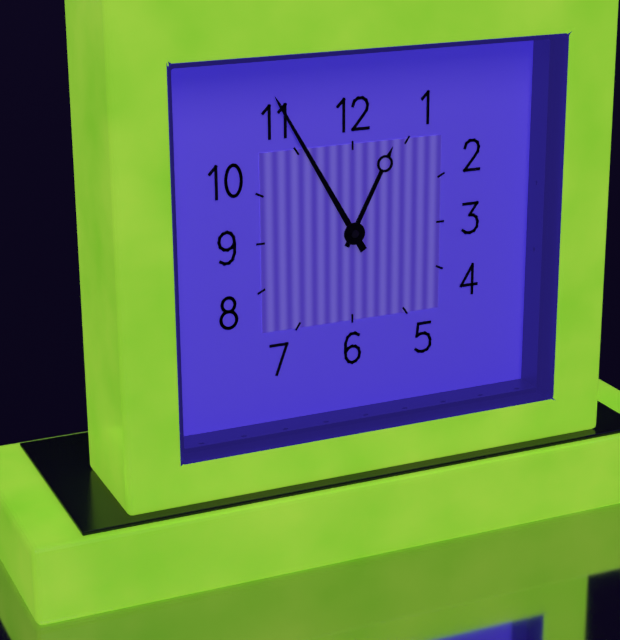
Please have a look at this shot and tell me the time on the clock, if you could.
12:55
